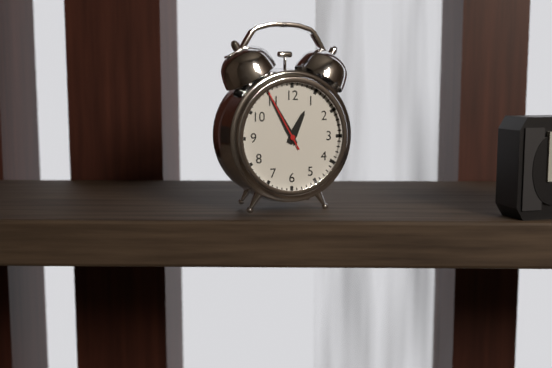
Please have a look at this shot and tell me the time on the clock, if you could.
12:55:55
